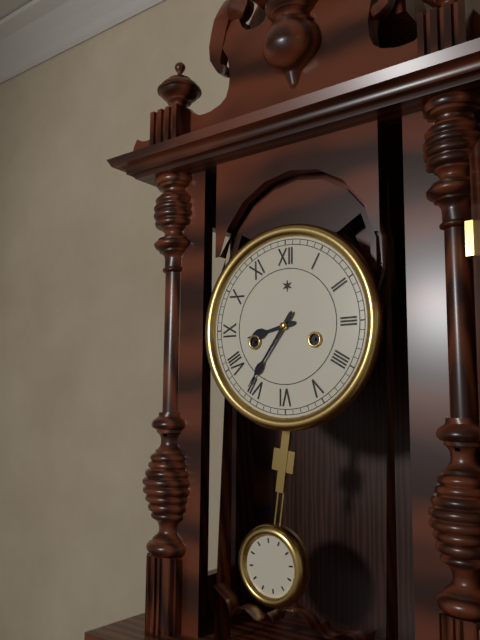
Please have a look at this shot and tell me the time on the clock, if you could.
8:36
